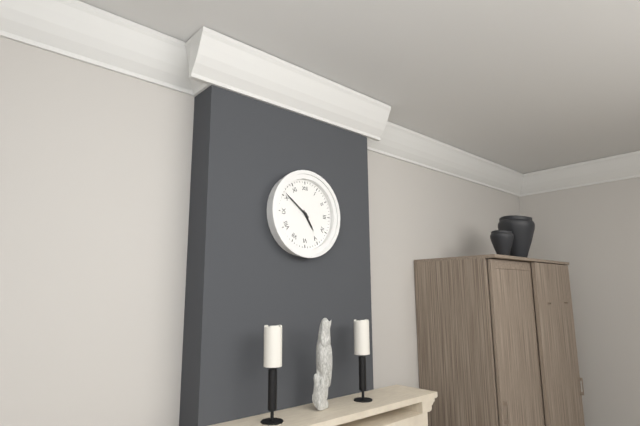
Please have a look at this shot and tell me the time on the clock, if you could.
4:51
